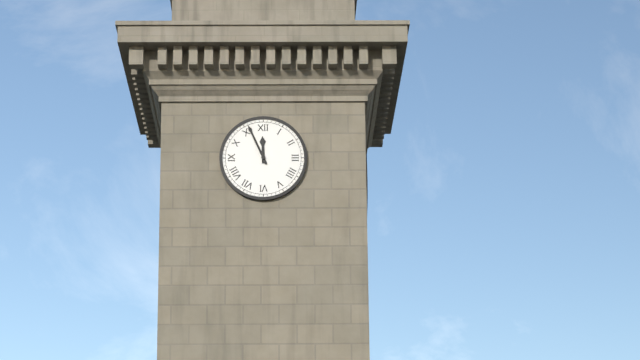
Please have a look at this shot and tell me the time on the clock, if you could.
11:56
